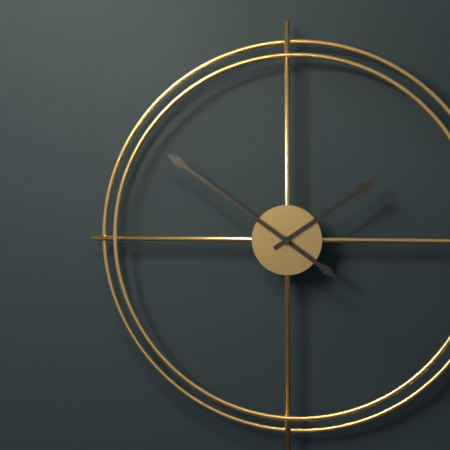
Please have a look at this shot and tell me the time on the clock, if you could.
1:51
